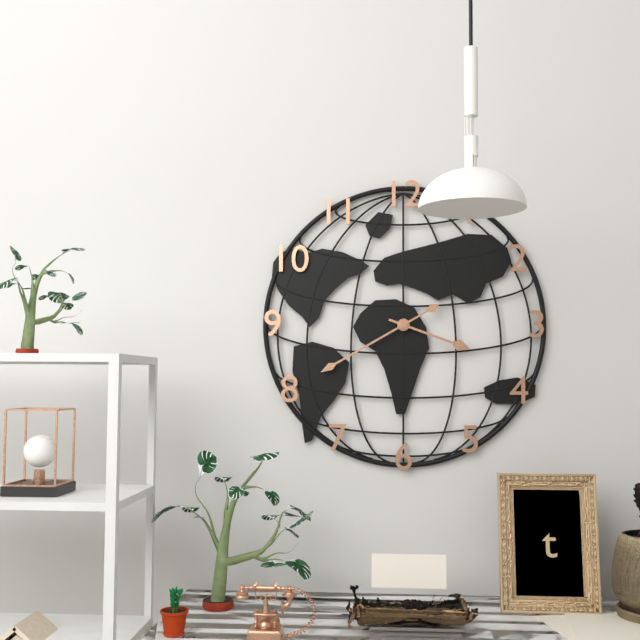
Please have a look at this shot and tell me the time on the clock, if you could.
3:40
